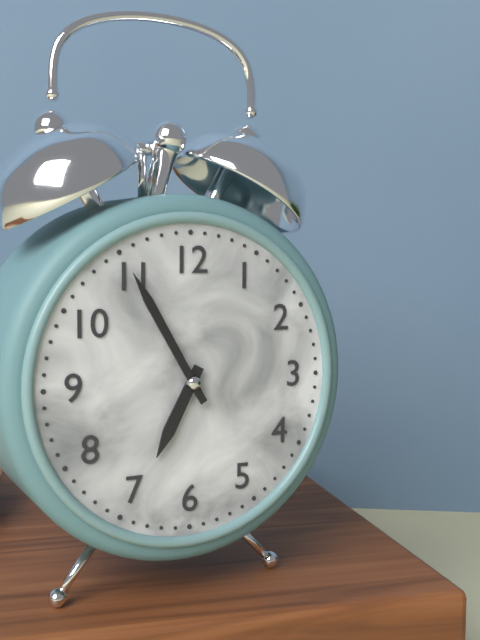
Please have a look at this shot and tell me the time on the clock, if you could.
6:55
